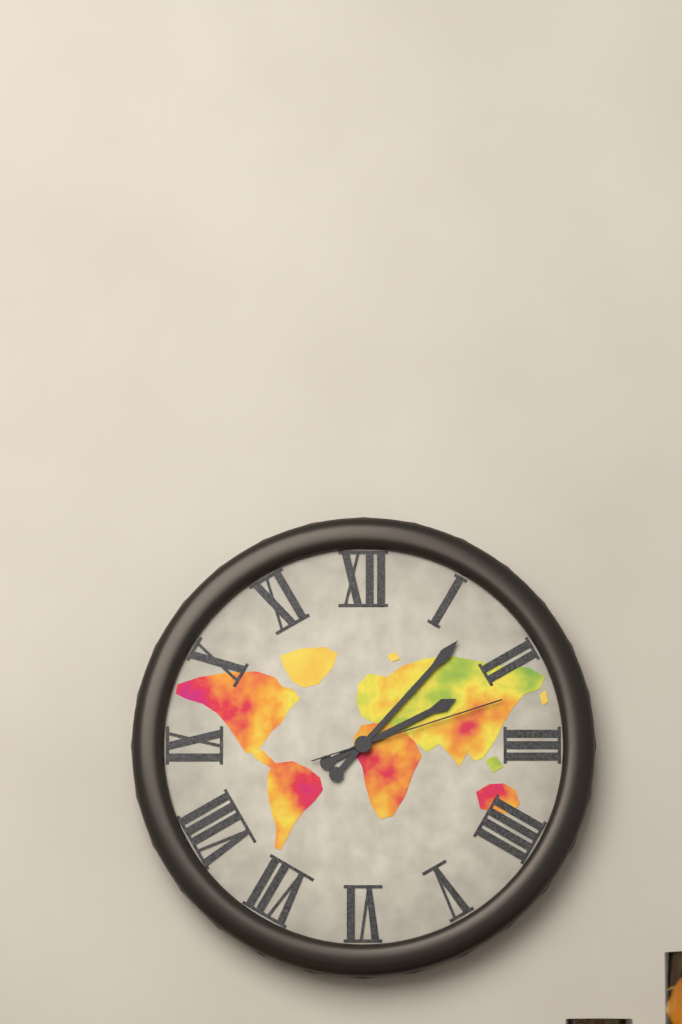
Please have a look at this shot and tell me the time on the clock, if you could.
2:07:12
